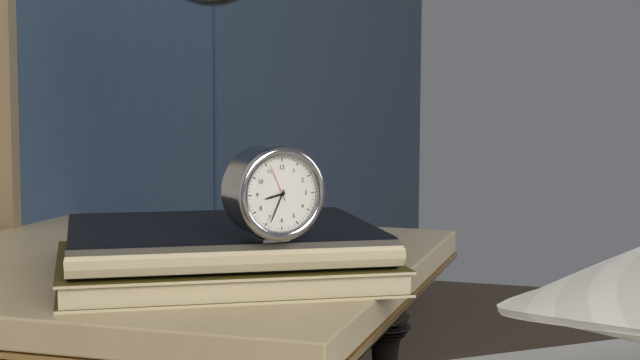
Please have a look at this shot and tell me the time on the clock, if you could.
8:34
